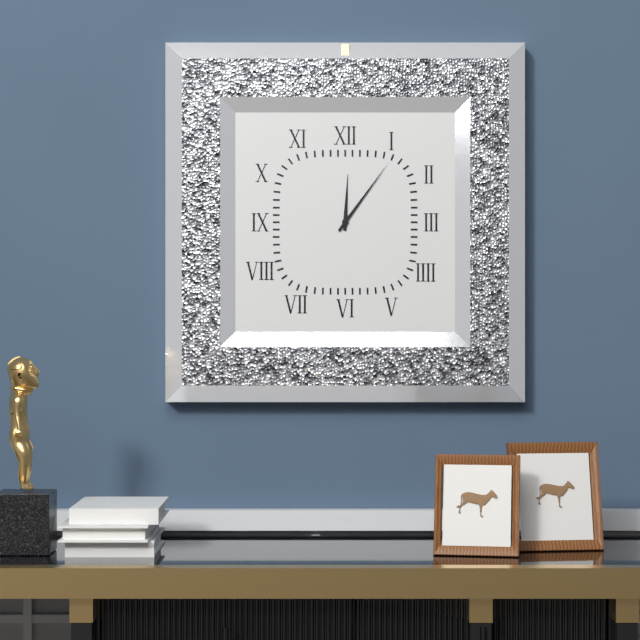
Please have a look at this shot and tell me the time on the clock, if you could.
12:06
